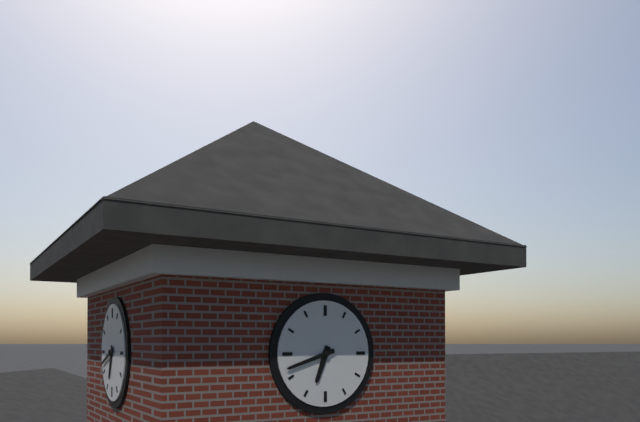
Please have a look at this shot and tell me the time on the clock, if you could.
6:42
